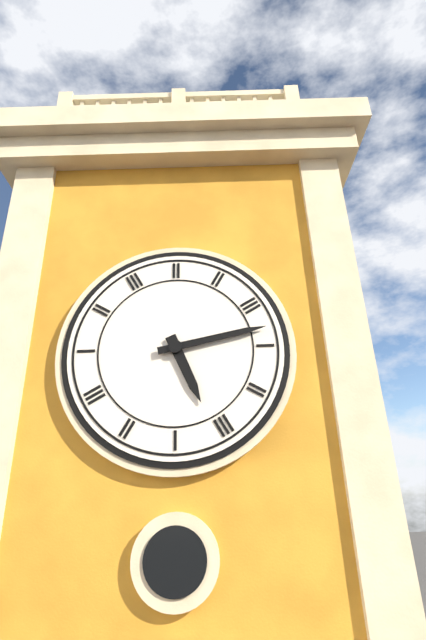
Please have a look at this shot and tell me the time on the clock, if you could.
5:13
